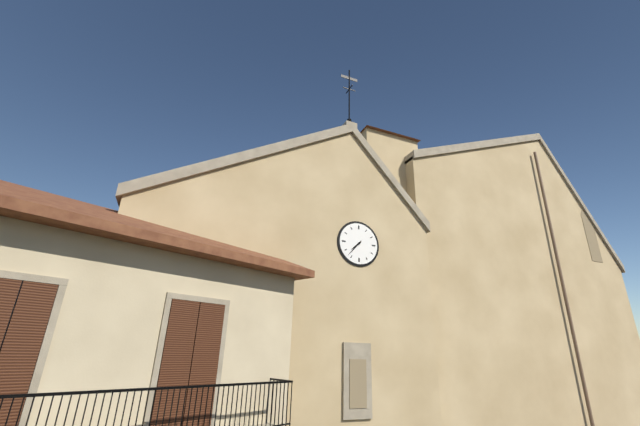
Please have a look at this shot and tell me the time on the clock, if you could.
7:37
